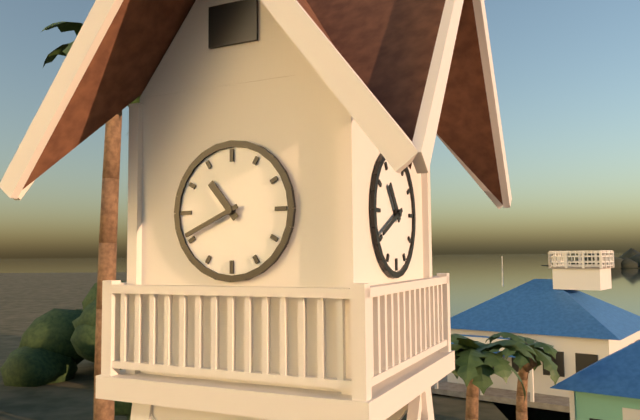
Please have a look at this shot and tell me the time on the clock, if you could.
10:41
